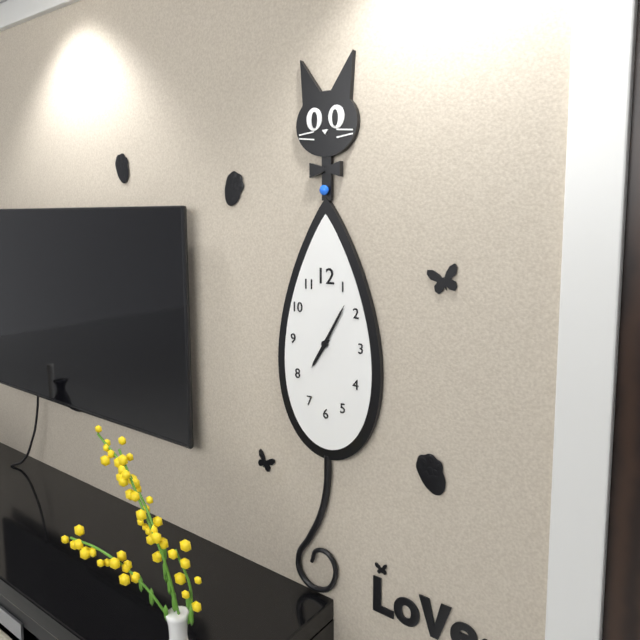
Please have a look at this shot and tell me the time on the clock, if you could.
7:05
